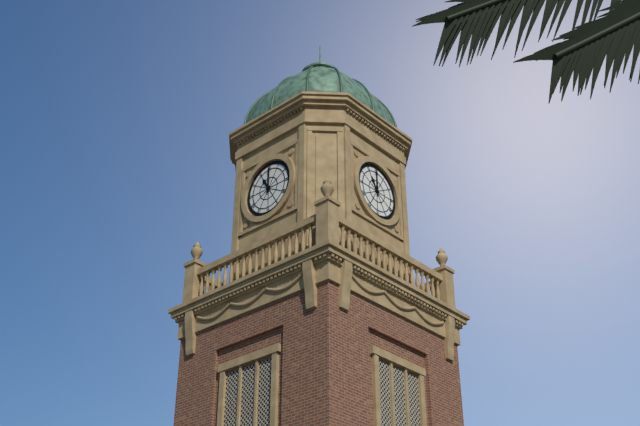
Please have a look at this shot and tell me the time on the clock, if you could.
11:00
